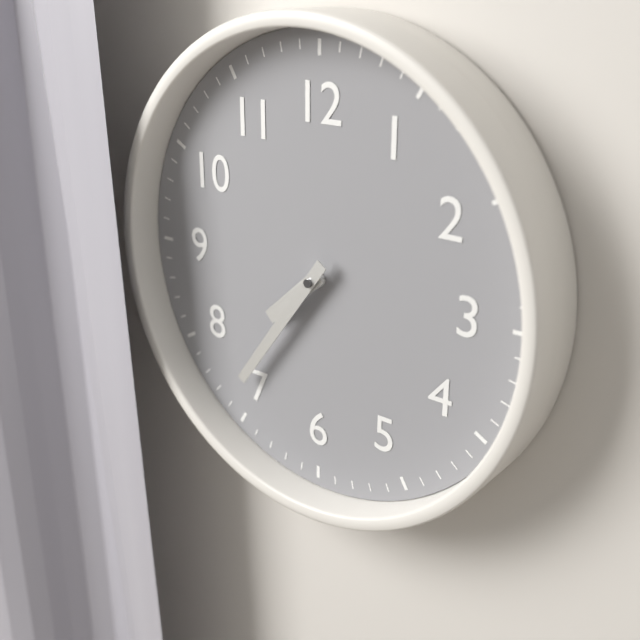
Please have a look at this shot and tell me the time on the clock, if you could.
7:36
